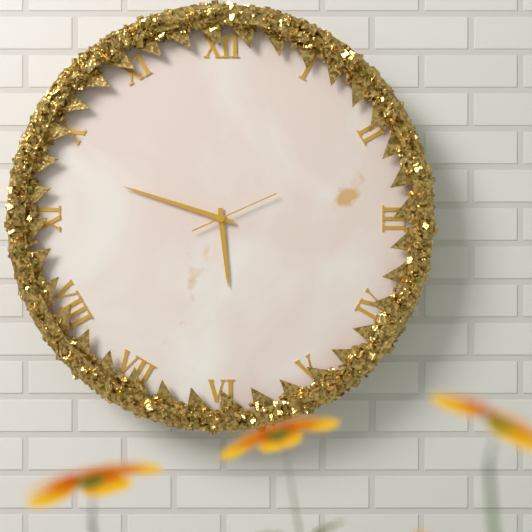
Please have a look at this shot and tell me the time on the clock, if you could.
5:48:11
